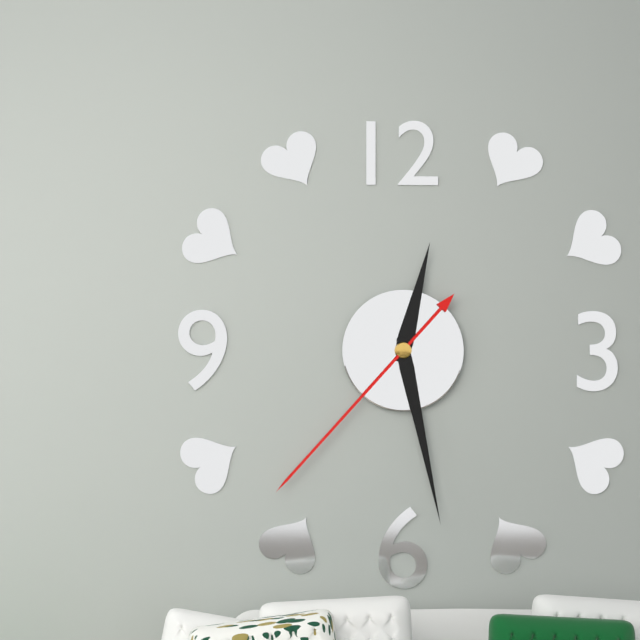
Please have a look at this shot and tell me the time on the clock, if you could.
12:28:37
